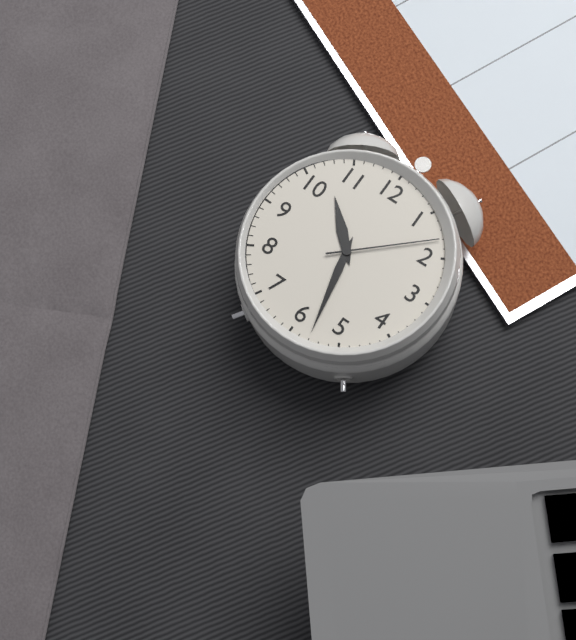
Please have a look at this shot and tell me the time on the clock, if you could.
10:28:08
